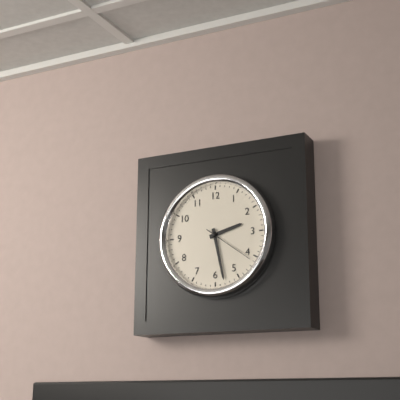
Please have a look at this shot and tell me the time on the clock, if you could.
2:28:21
